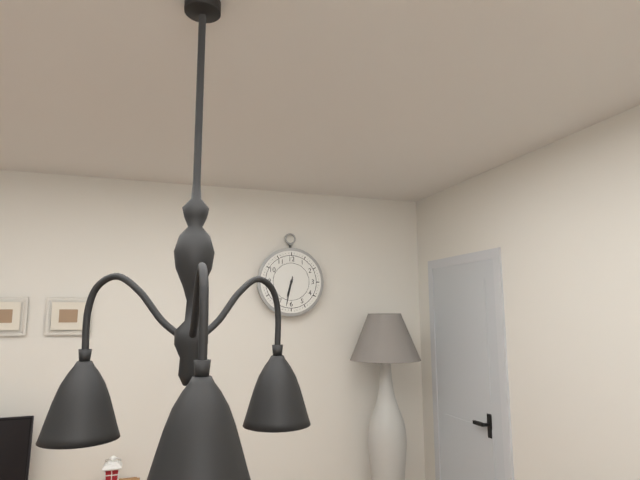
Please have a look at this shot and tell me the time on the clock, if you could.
6:32
